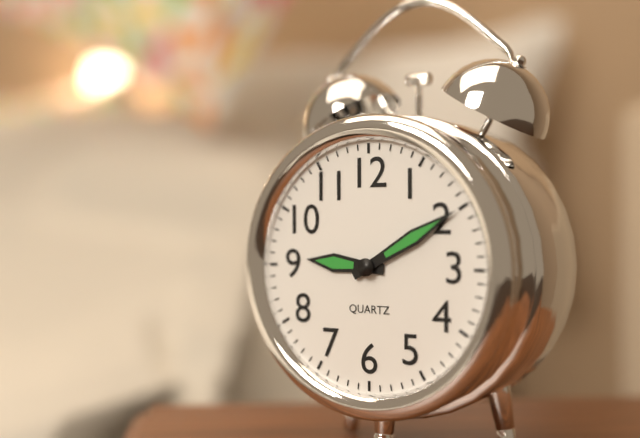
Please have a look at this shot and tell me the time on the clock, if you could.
9:10
